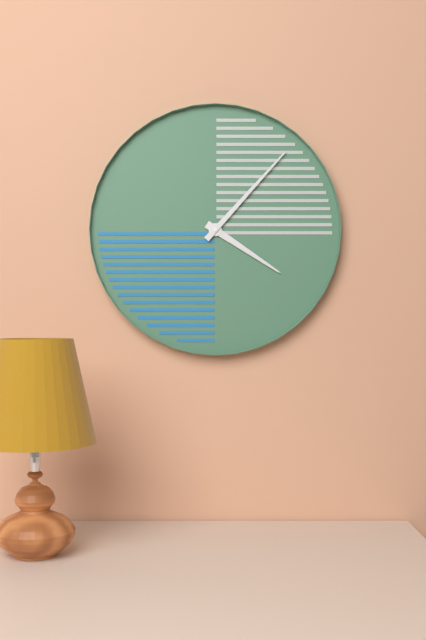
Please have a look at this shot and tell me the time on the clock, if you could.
4:07
